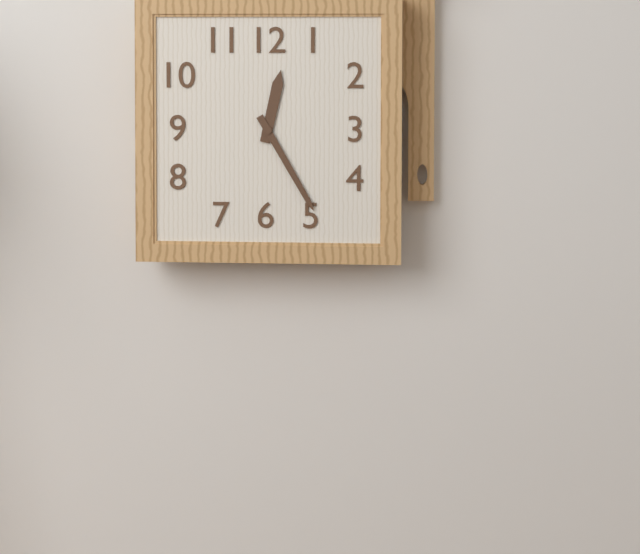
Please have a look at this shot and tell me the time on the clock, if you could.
12:25
